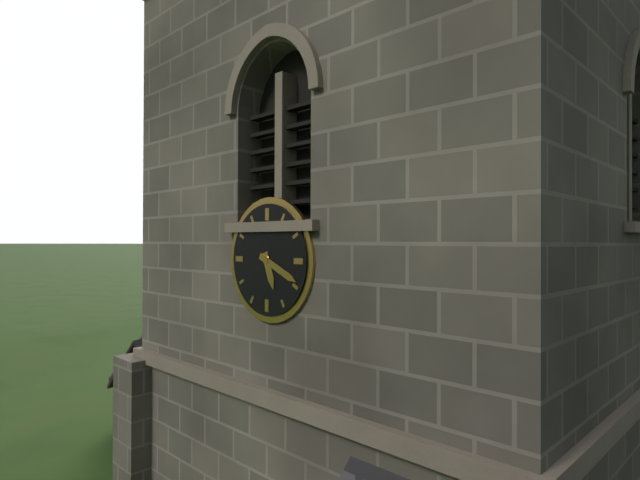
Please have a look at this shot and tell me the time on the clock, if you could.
5:19
